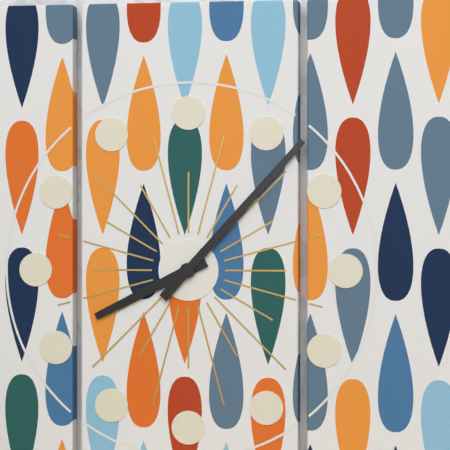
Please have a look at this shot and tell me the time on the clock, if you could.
8:07
